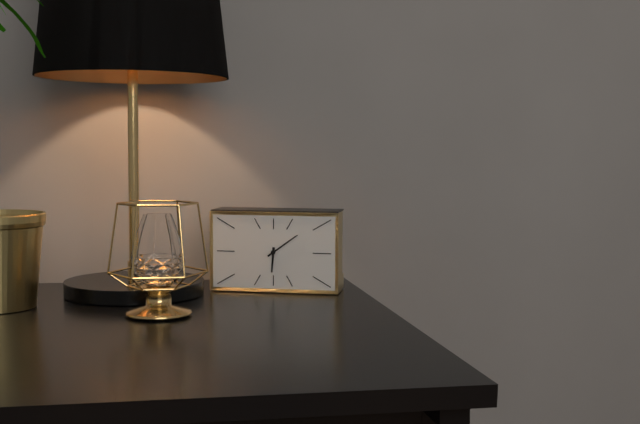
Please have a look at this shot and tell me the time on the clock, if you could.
6:09
